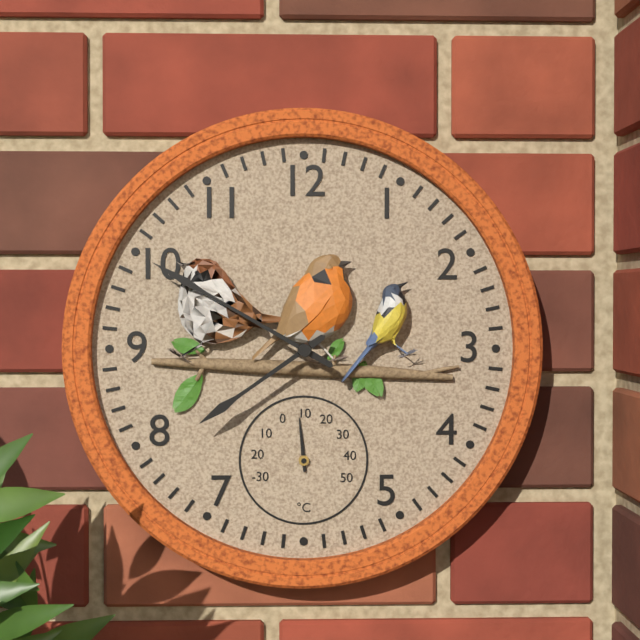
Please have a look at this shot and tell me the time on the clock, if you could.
7:50
